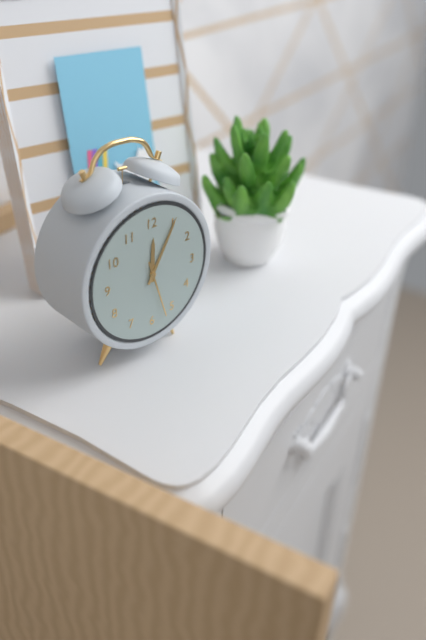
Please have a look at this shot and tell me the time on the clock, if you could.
12:05:27
